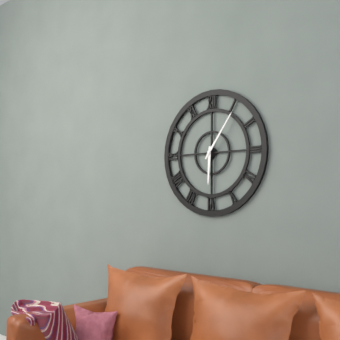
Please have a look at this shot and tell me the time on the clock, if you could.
6:06
